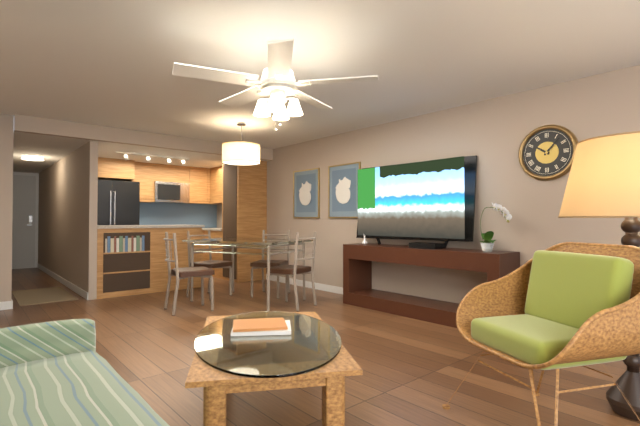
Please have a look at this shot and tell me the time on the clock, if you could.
10:07
